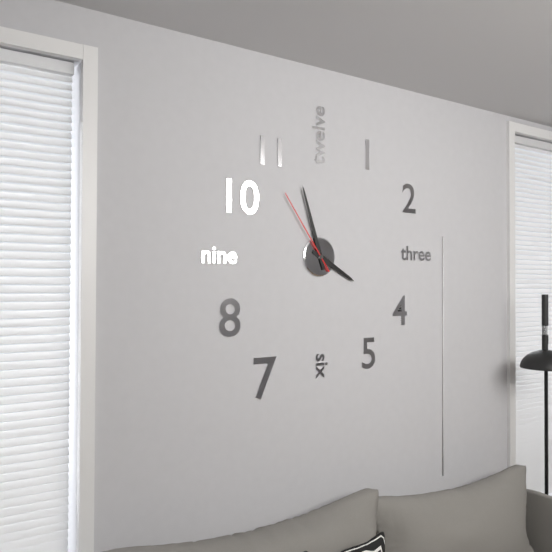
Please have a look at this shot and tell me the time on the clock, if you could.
3:57:54
